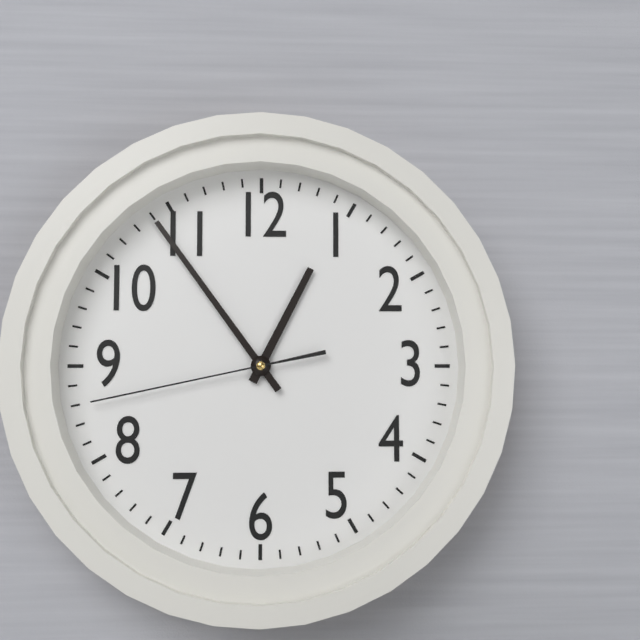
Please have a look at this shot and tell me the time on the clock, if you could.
12:54:43
